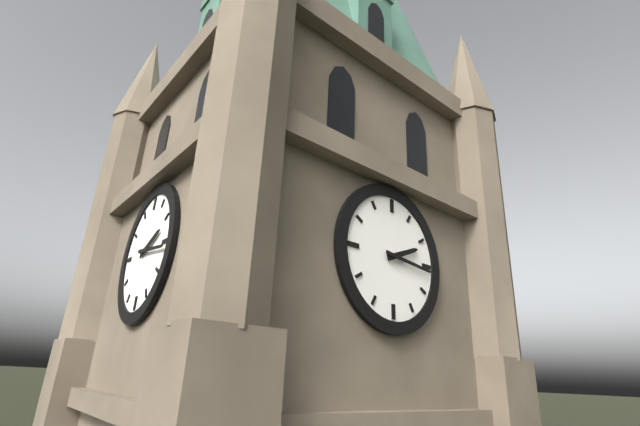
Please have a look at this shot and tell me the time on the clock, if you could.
2:16
